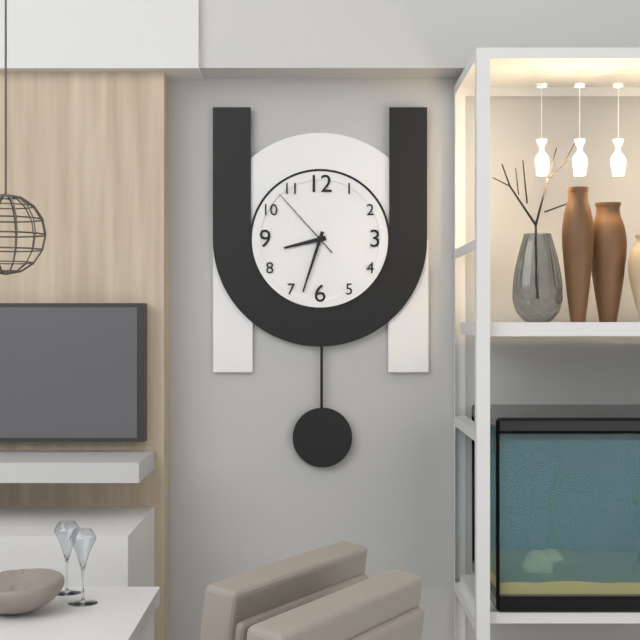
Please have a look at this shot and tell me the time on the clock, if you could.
8:33:53
